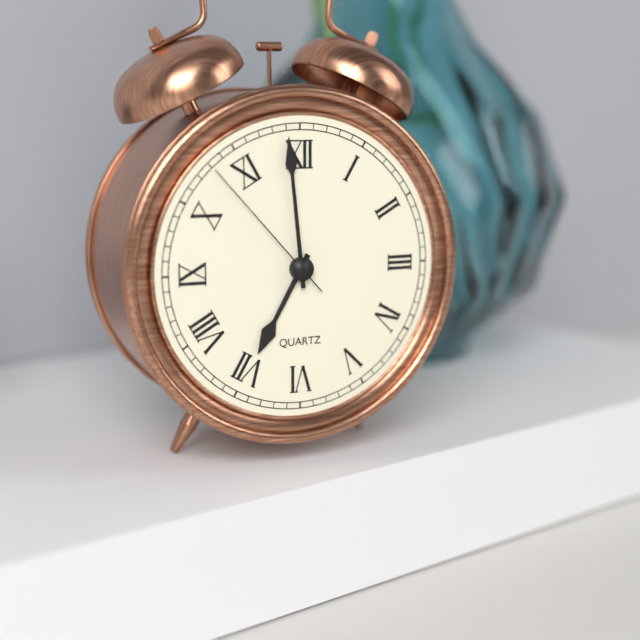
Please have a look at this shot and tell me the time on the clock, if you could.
6:59:53
